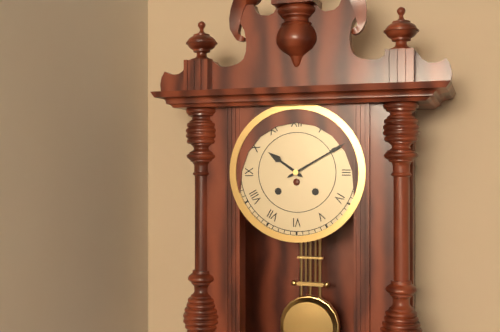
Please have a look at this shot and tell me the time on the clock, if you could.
10:10
